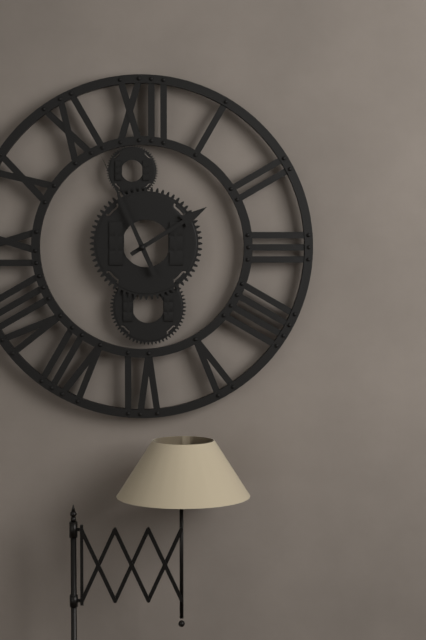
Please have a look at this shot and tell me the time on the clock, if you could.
1:56
